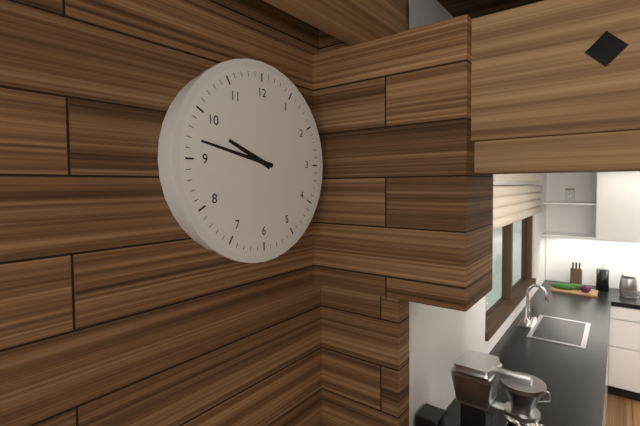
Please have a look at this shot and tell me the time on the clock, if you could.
9:47
